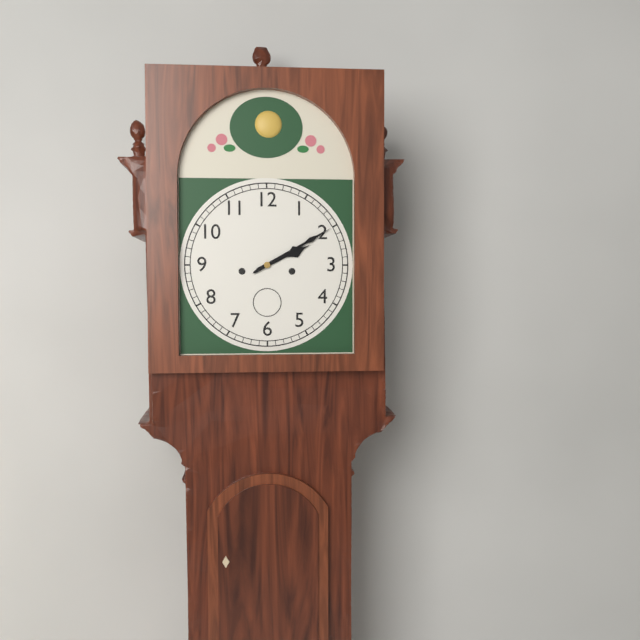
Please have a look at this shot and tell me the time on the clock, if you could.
2:10
